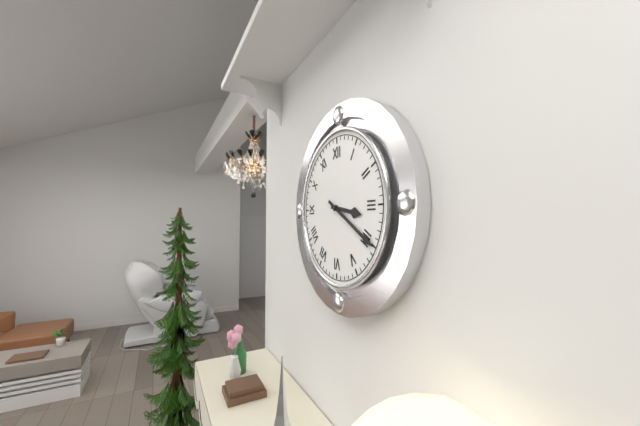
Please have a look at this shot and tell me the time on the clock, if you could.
3:20
